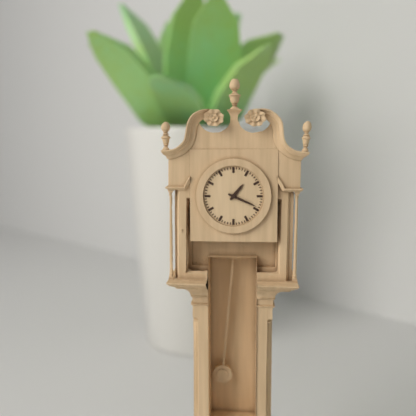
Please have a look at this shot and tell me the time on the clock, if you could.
1:19
